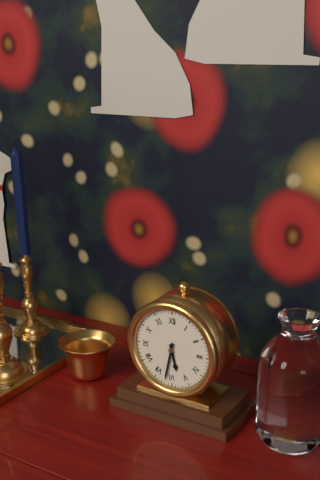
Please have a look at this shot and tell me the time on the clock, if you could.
5:32
